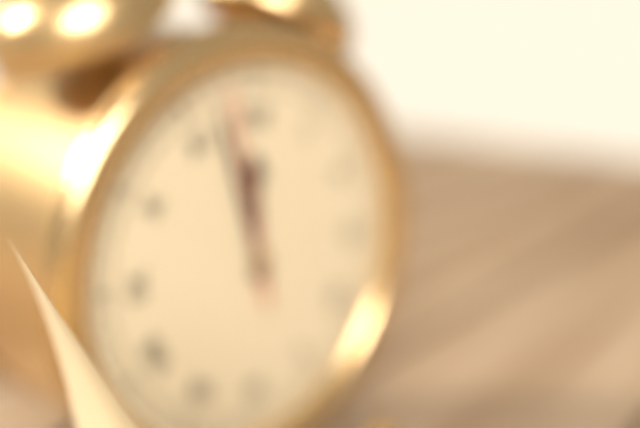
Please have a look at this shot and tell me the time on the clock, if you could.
11:57:58
